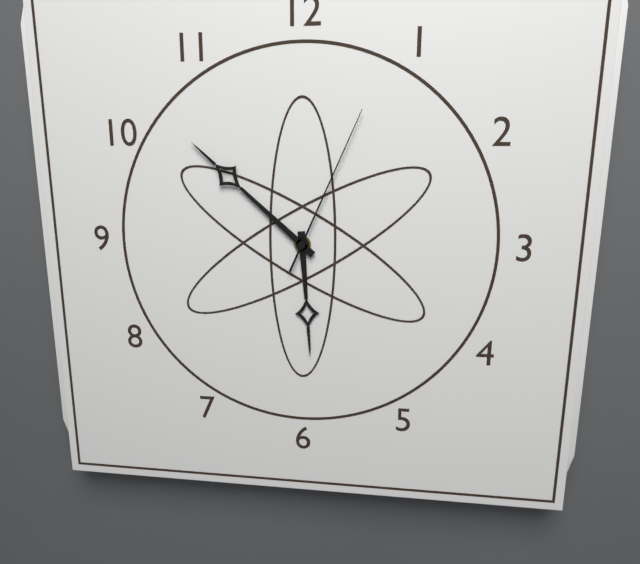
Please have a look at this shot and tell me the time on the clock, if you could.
5:52:04
